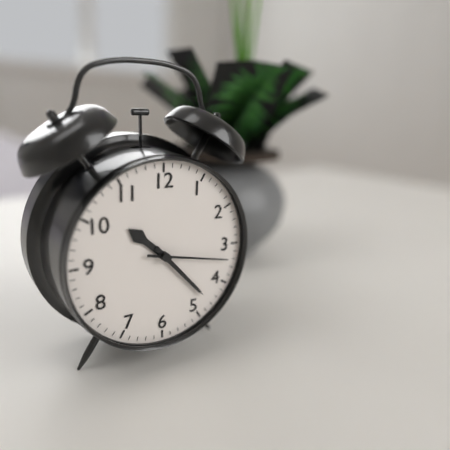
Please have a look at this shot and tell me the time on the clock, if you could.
10:23:17
